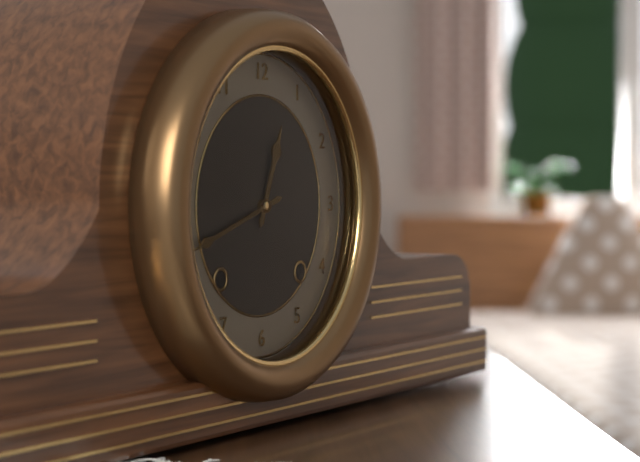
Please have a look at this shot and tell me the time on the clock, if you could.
12:42
